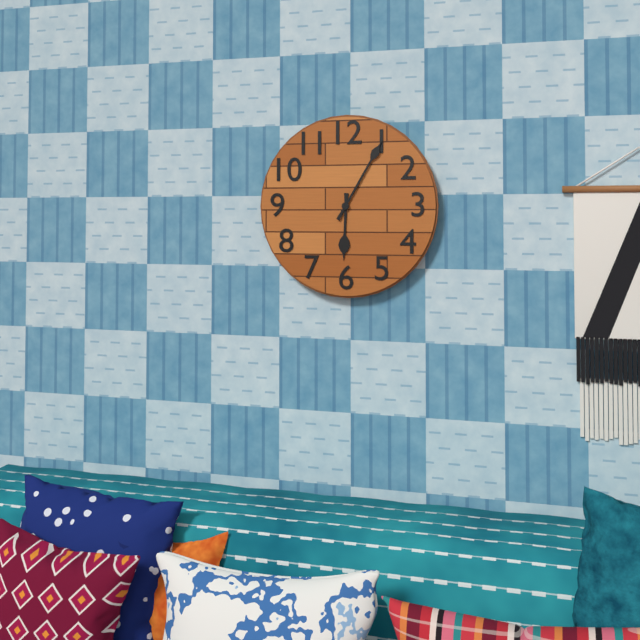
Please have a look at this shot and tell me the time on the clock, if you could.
6:05
